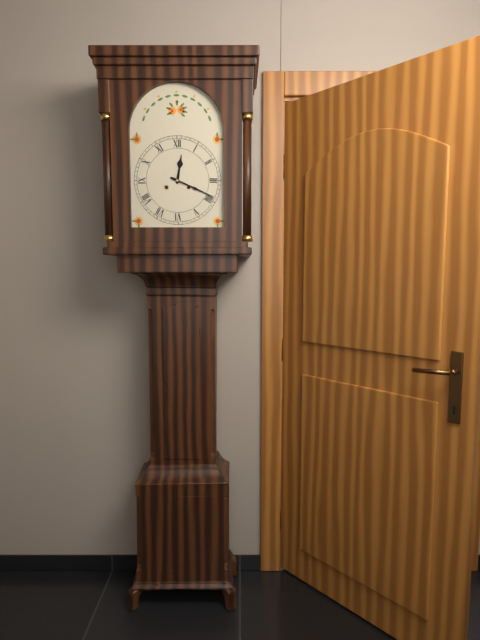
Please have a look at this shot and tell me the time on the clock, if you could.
12:19
